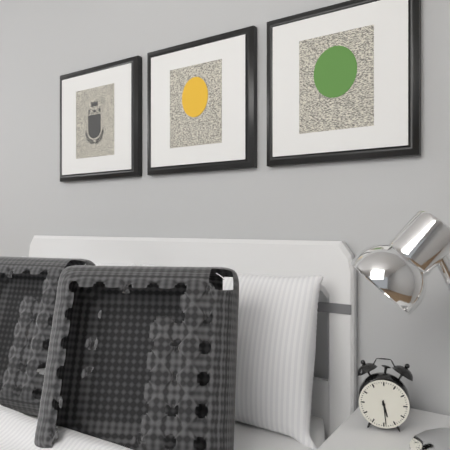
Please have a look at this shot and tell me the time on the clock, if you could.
5:29
